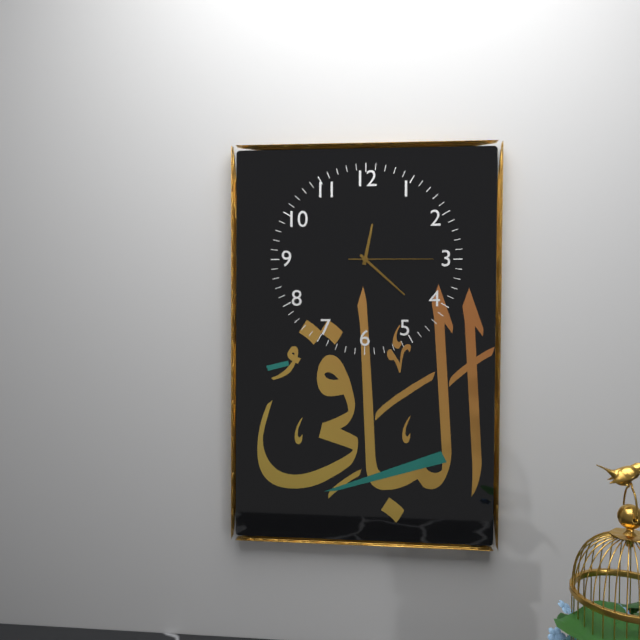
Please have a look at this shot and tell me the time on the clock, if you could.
12:22:15
